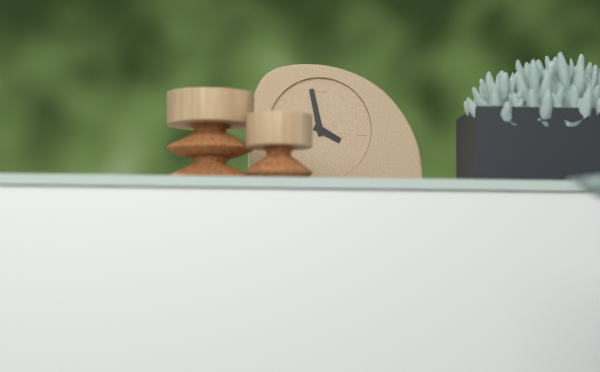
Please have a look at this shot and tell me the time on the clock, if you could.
3:58
